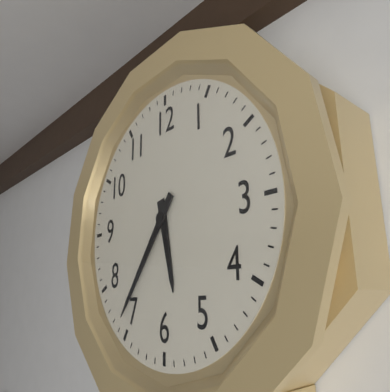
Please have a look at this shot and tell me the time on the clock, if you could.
5:36
